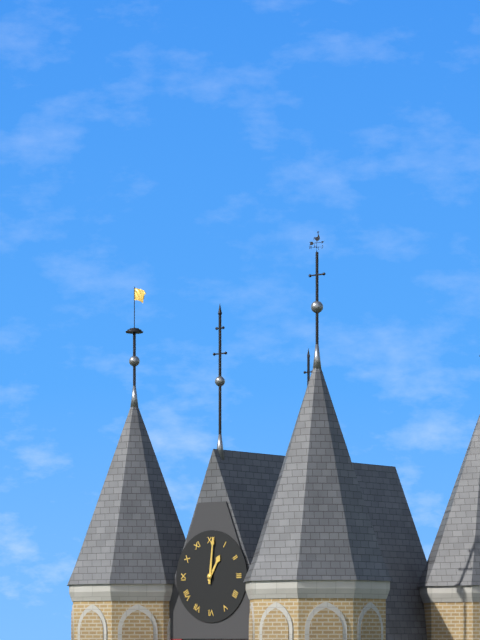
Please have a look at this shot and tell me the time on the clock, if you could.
1:01
